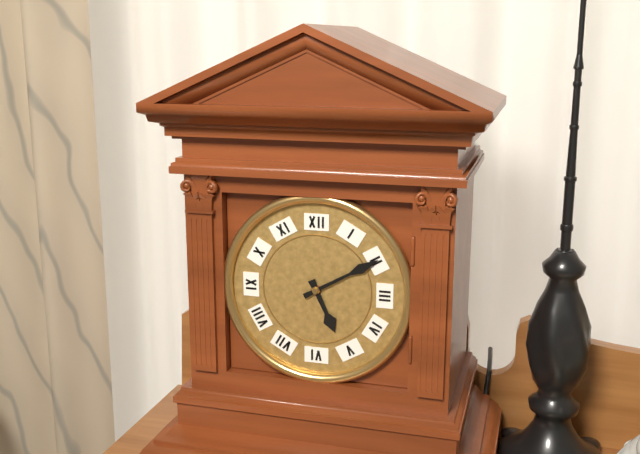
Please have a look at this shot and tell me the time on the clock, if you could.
5:10
